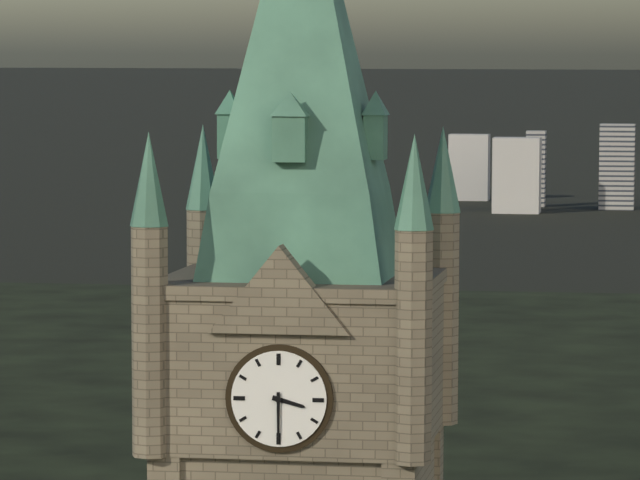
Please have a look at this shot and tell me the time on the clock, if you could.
3:30
